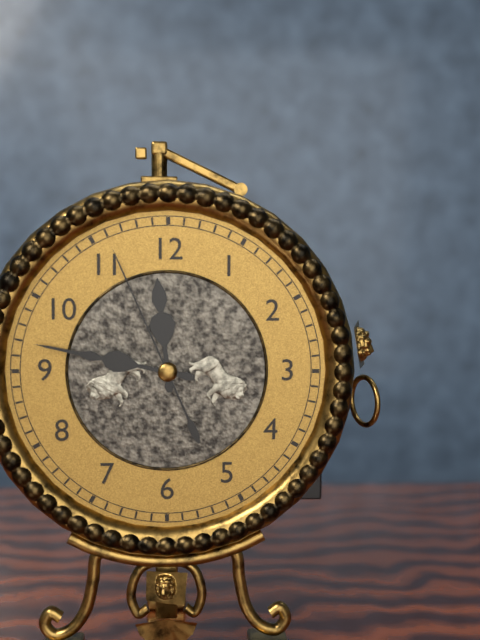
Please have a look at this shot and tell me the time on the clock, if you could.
11:47:56
